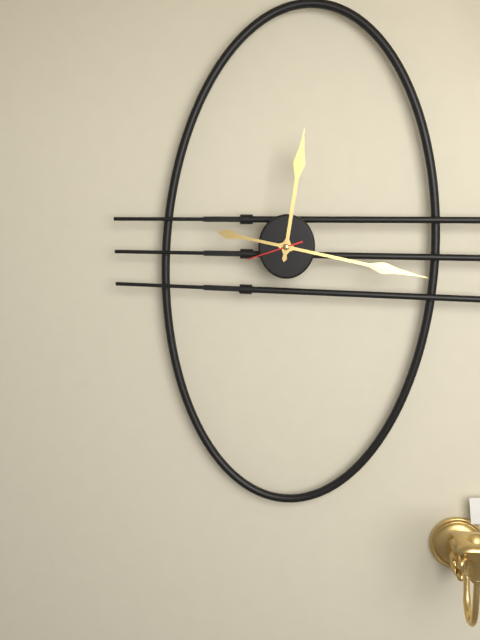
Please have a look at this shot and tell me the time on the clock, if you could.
12:17:42
